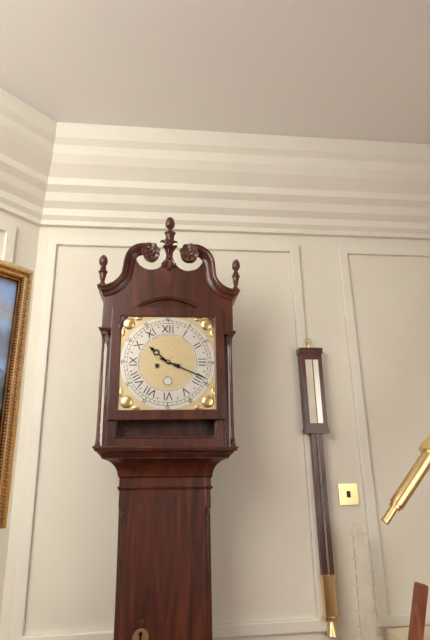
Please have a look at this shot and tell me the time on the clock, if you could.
10:19
